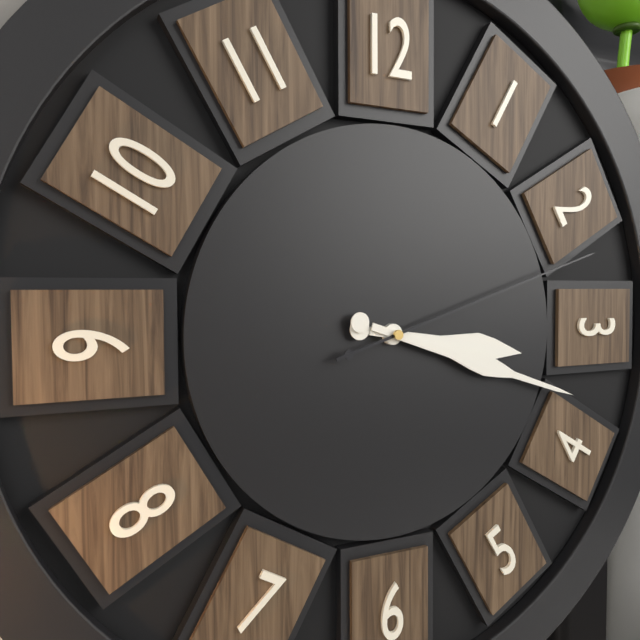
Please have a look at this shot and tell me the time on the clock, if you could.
3:18:12
